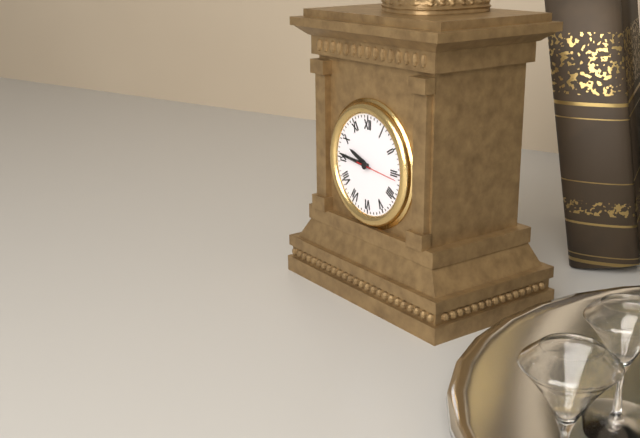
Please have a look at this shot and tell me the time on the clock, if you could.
9:46
